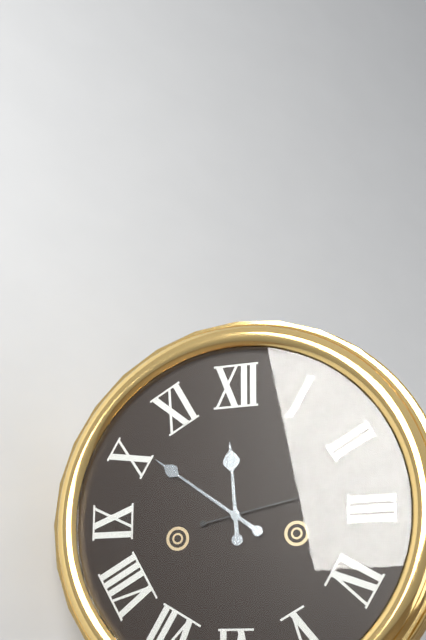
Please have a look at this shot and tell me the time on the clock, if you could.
11:51:13
